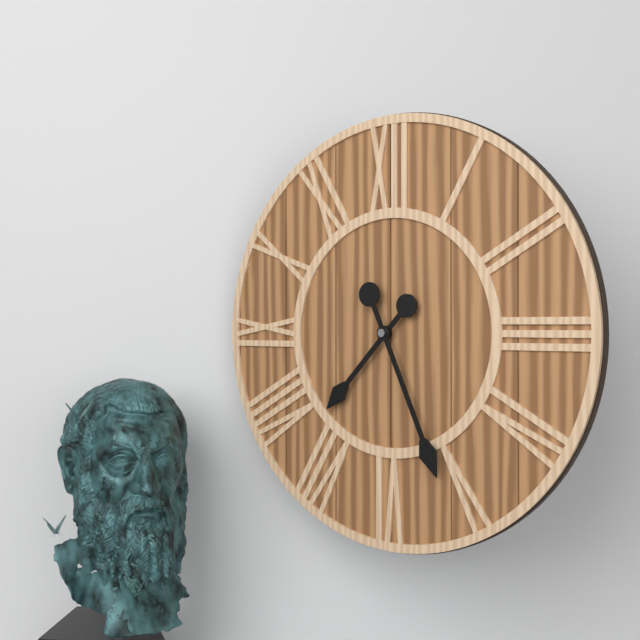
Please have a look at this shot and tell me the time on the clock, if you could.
7:26
